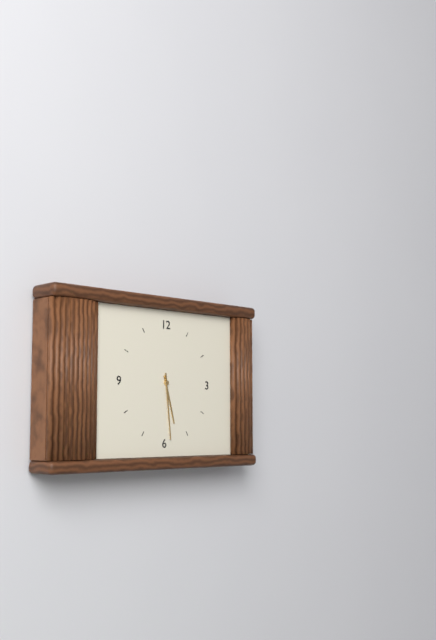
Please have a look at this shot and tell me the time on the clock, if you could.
5:29
